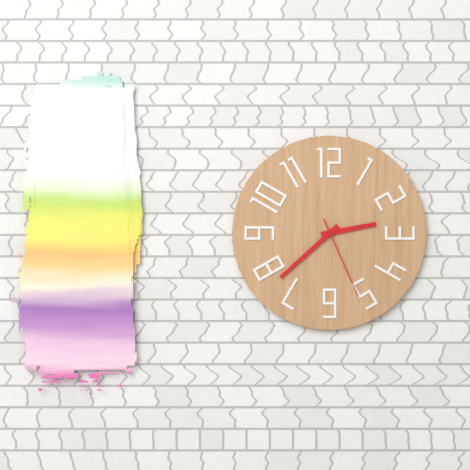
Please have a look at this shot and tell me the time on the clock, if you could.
2:38:26
